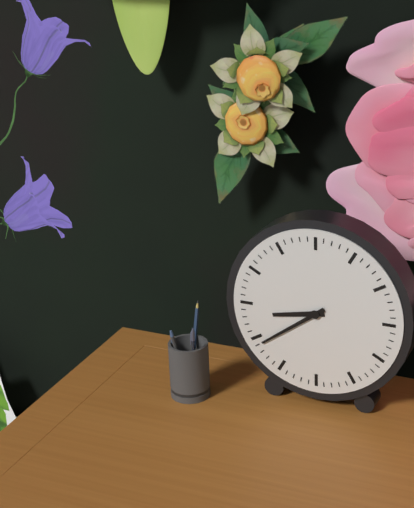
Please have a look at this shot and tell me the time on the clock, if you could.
8:39
